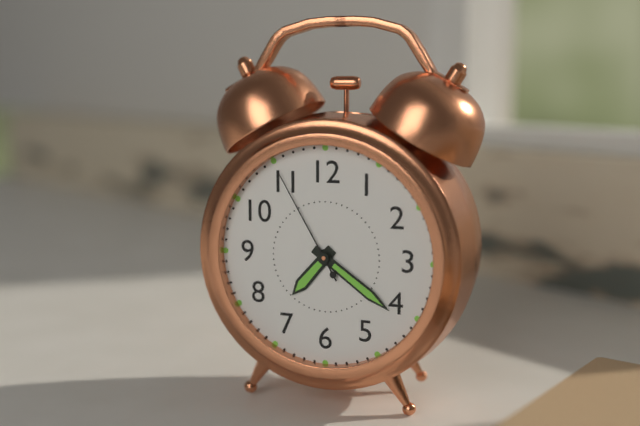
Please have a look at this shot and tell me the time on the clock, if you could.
7:21:55
